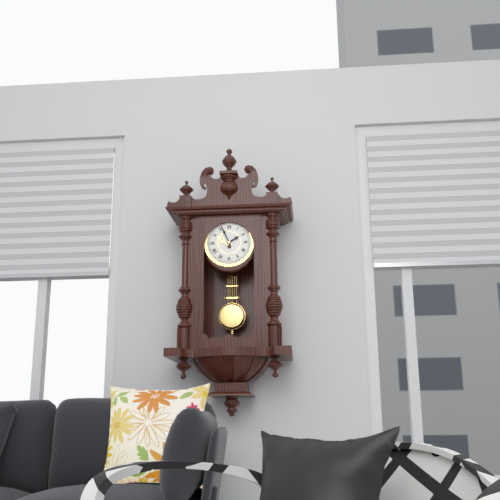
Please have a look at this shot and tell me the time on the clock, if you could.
1:56
